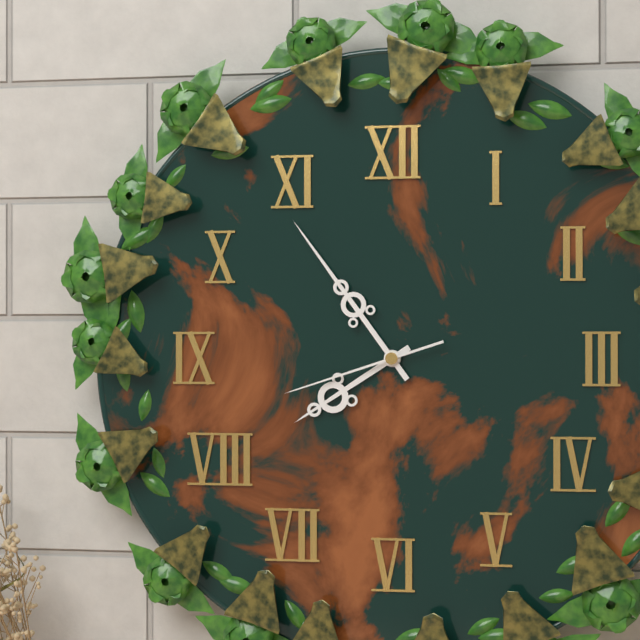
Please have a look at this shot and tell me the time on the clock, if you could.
7:54:42
